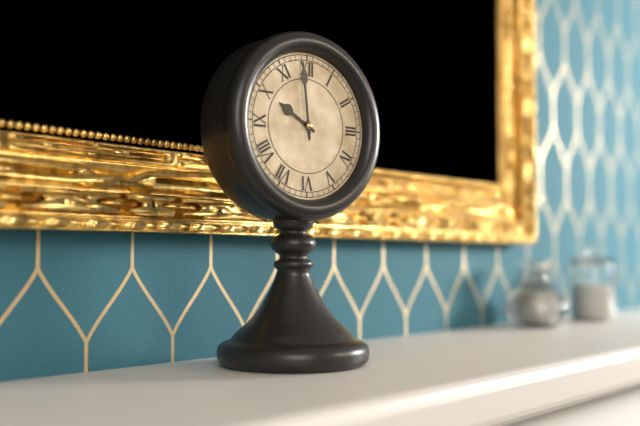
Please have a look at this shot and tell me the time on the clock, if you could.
9:59
